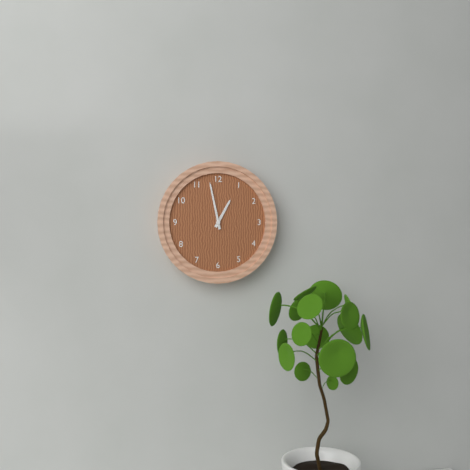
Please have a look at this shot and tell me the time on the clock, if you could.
12:58
